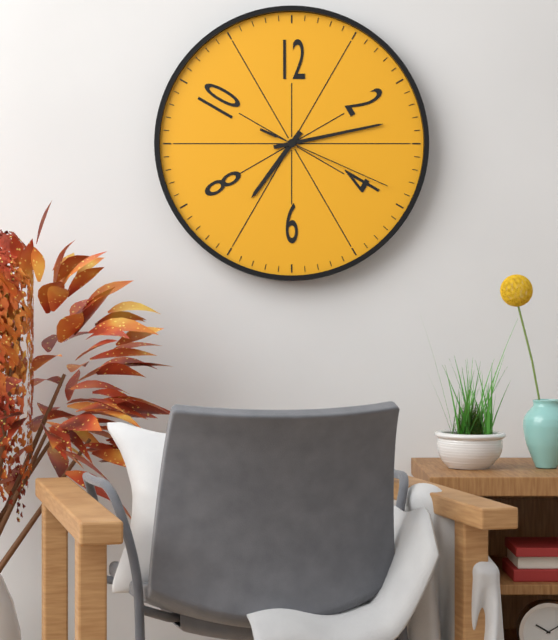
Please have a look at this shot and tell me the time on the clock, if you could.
7:13:19
